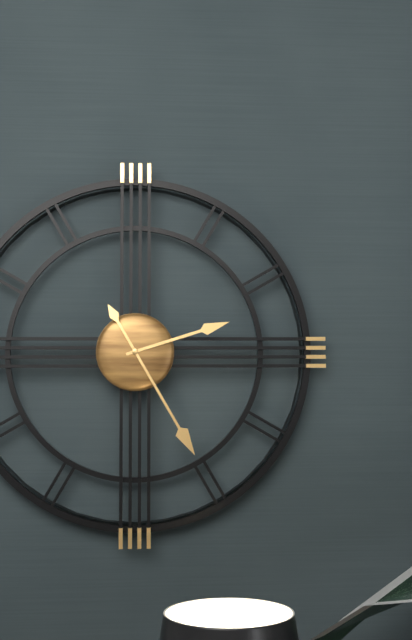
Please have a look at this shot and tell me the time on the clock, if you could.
2:25
